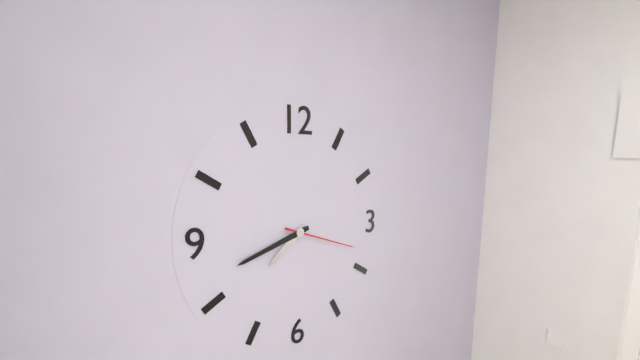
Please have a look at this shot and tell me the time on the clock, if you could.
7:42:18
